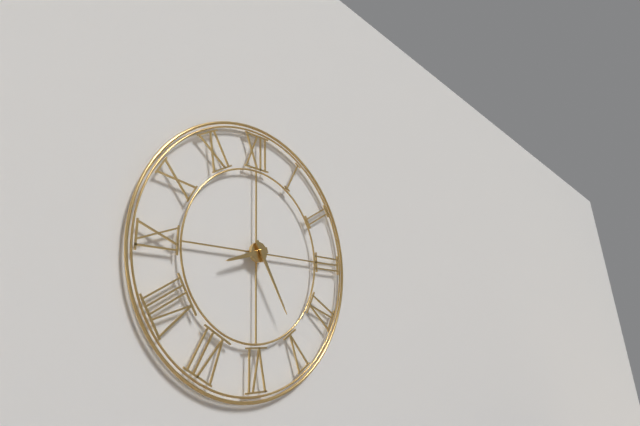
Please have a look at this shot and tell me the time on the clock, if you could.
8:25
